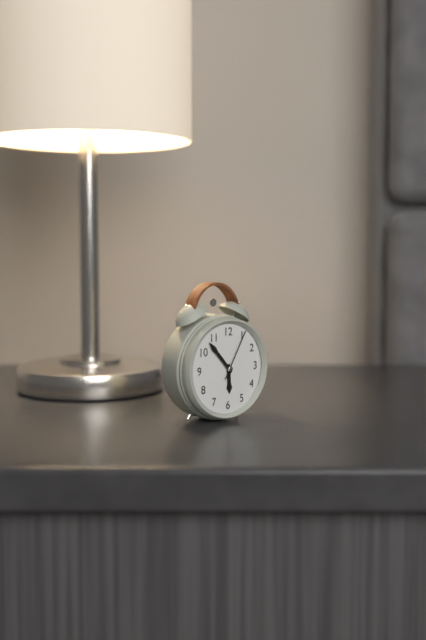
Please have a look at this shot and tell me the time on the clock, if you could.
5:53:05
